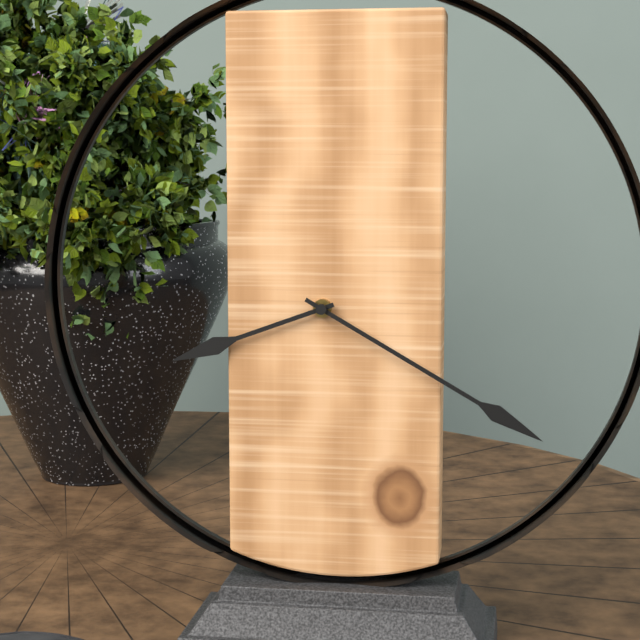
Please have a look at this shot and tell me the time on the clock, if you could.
8:20
